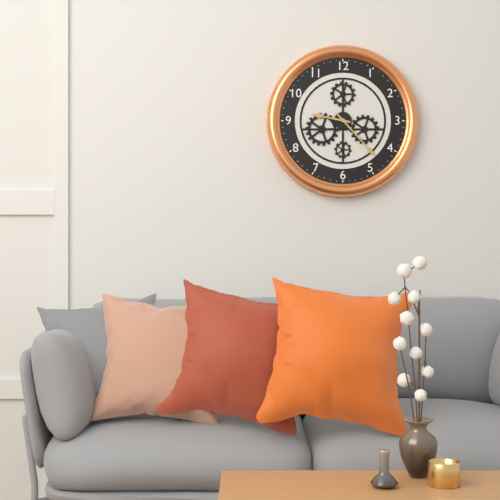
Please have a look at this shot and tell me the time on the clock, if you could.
9:23
